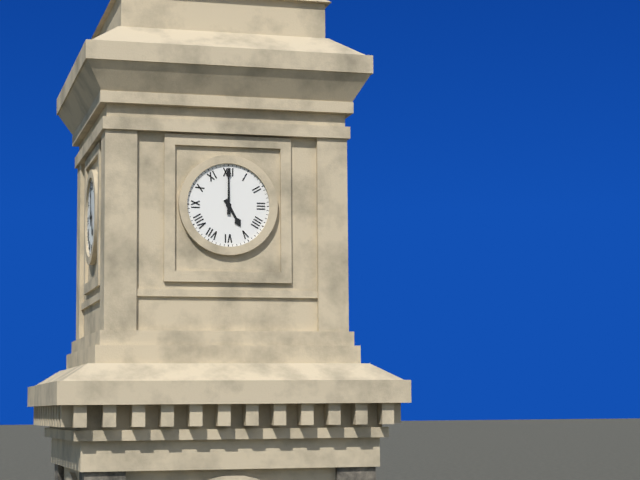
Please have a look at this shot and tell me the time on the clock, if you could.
5:00
